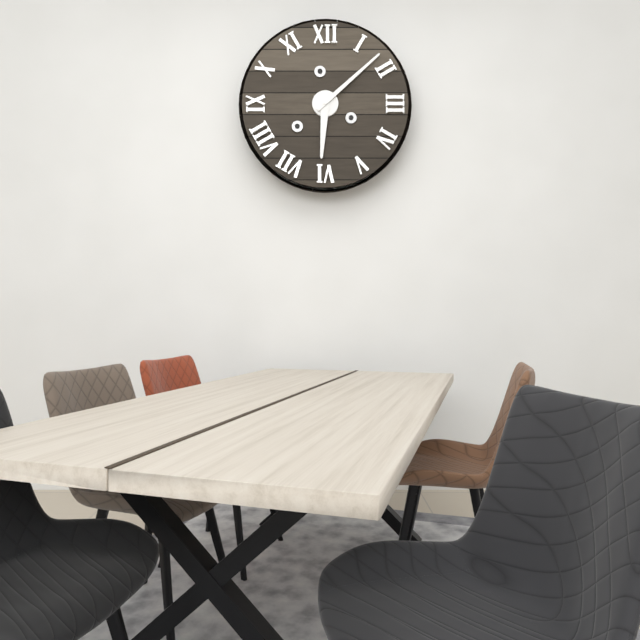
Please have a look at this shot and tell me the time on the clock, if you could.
6:08
